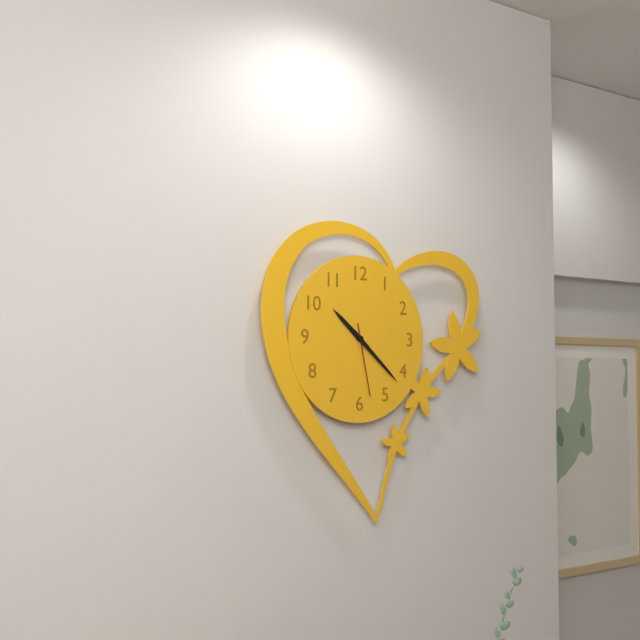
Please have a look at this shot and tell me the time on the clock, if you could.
10:22:28
